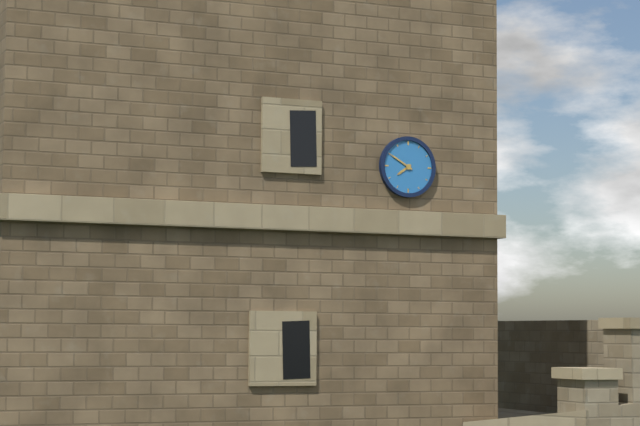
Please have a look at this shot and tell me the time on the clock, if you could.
7:50
